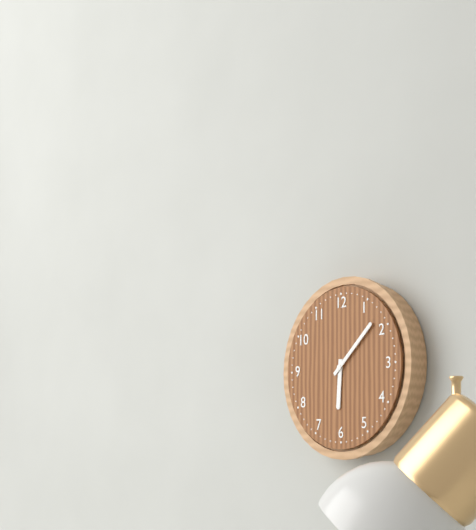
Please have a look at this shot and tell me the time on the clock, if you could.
6:08
